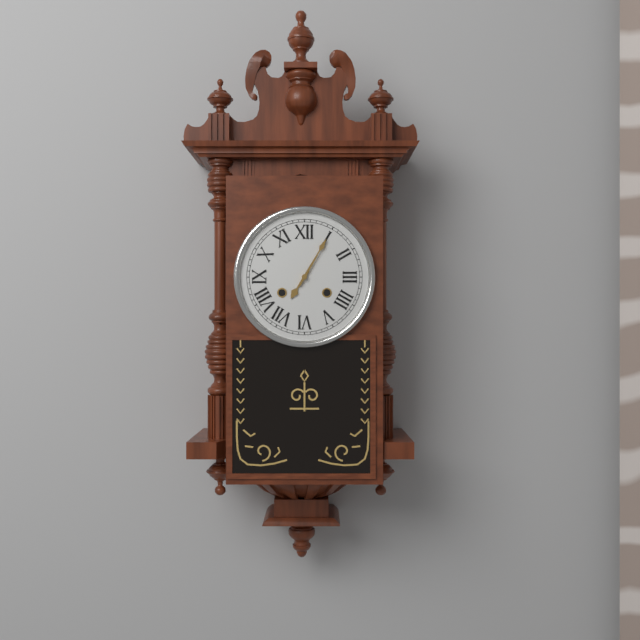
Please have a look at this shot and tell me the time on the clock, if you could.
7:05
